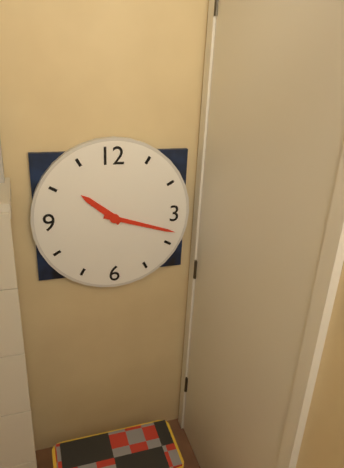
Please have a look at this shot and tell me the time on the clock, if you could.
10:18
